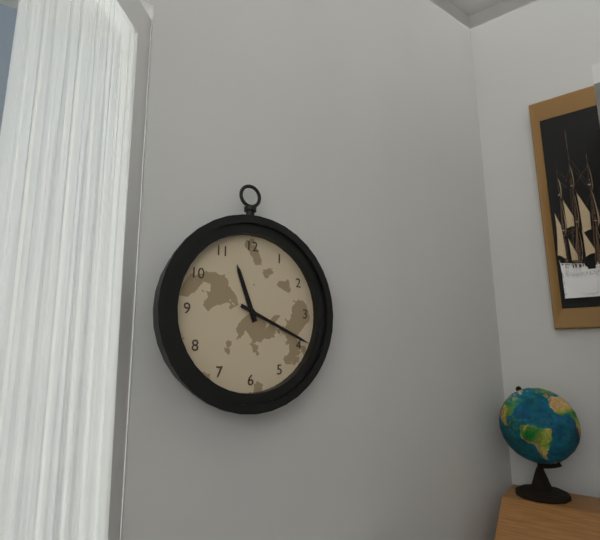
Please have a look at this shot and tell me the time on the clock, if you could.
11:19
